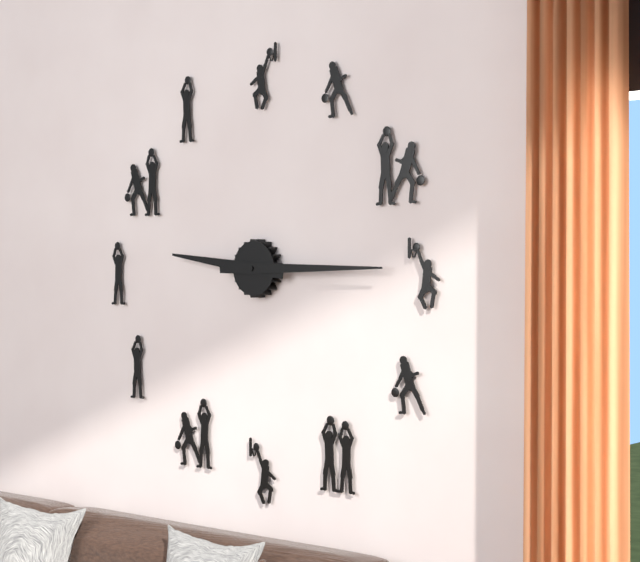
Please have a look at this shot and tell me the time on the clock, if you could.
9:15
